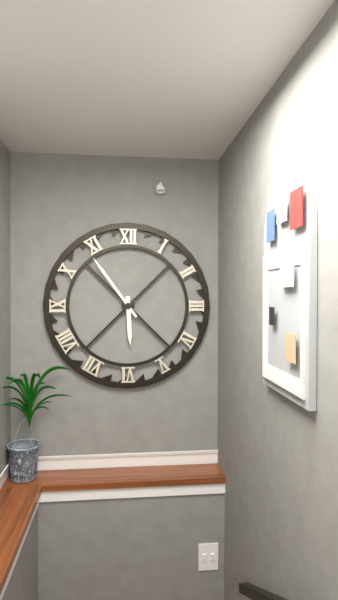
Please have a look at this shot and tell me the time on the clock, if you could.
5:54
